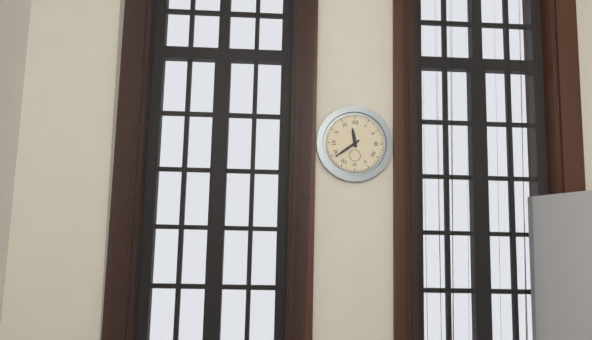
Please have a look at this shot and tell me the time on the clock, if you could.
11:39
